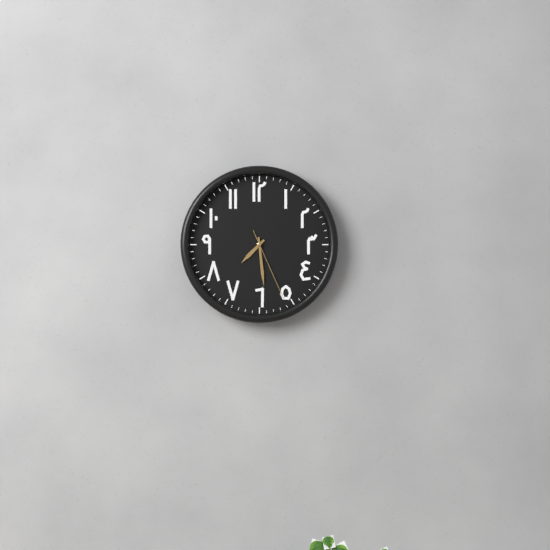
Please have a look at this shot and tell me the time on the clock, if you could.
7:29:26
